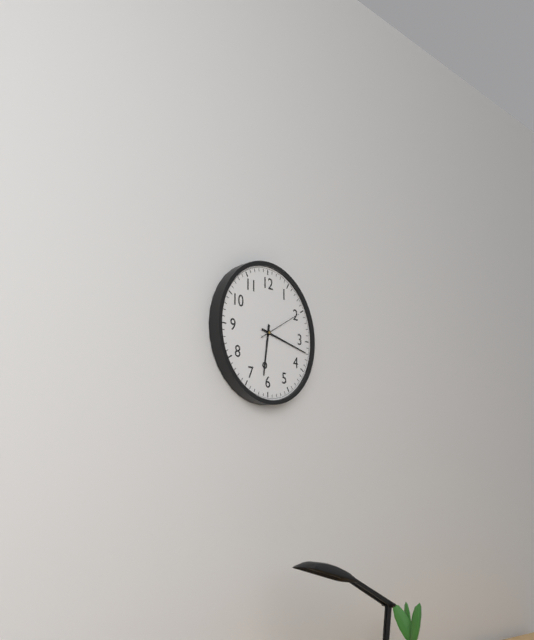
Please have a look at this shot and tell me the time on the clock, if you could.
6:17
